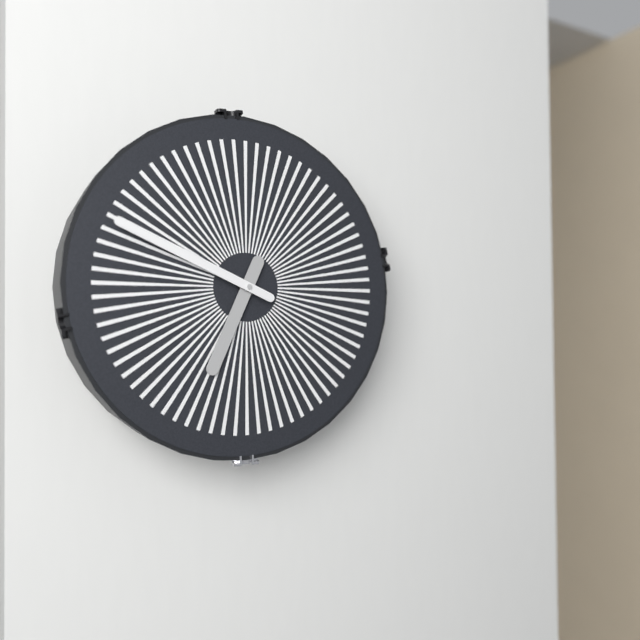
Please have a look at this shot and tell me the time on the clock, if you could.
6:49
